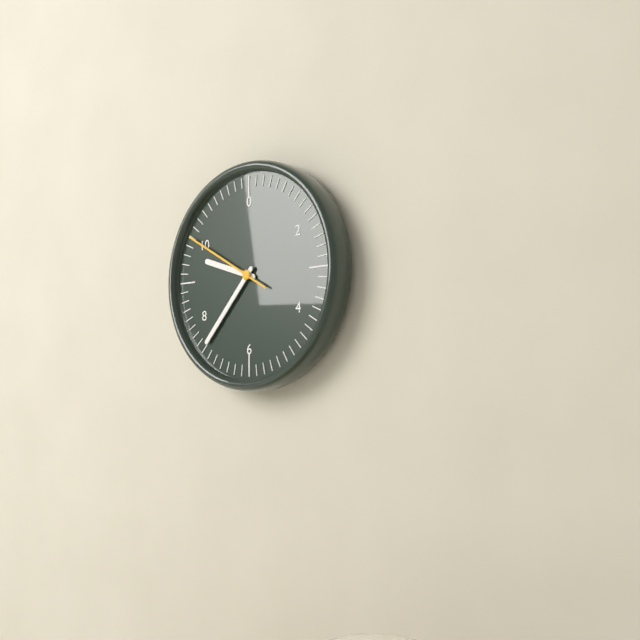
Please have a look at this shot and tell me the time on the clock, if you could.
9:37:50
